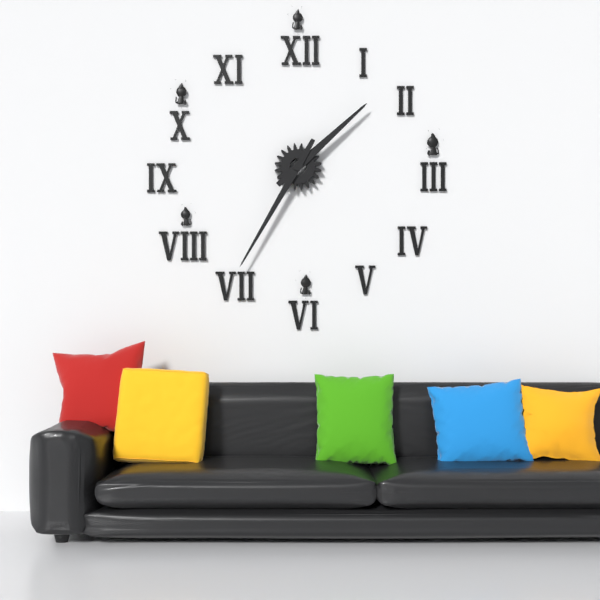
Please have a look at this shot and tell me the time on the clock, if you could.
1:35
